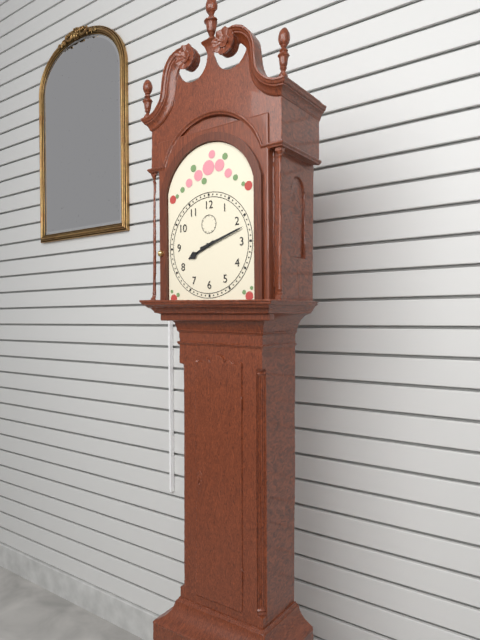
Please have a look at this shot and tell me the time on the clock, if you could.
8:12
